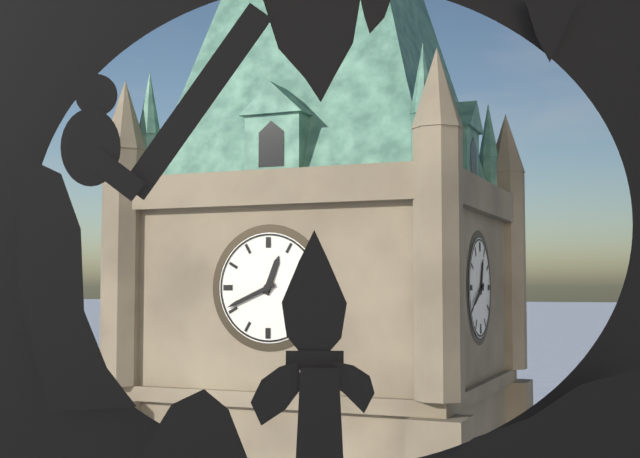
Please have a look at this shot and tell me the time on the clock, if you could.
12:41
